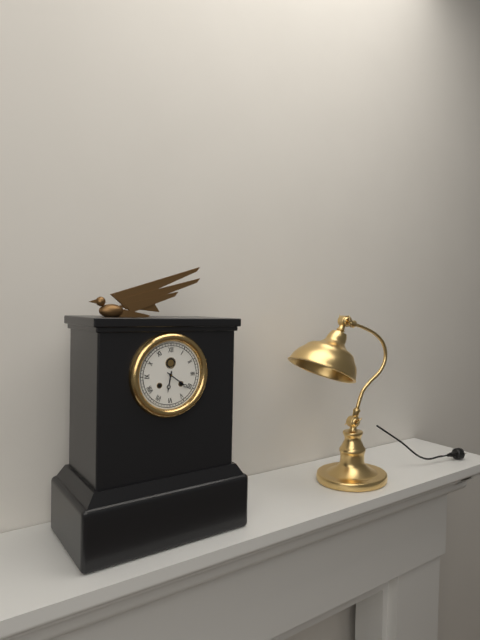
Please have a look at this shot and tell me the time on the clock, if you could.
6:21
